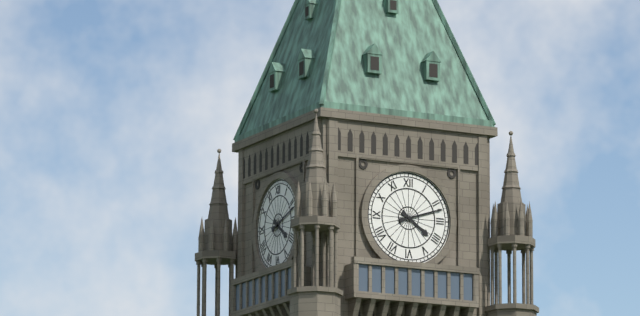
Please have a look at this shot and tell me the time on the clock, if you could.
4:12
